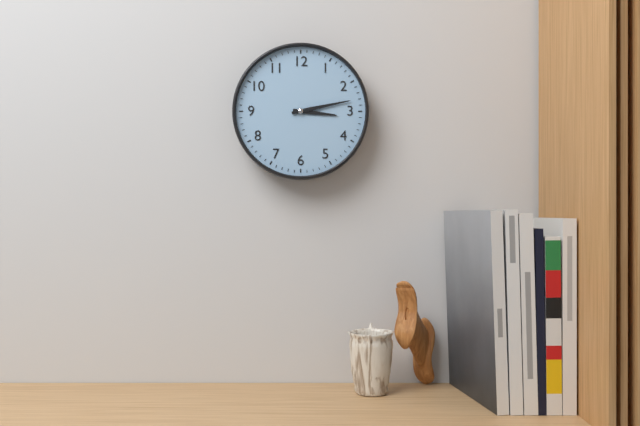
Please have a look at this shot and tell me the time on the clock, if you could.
3:13
